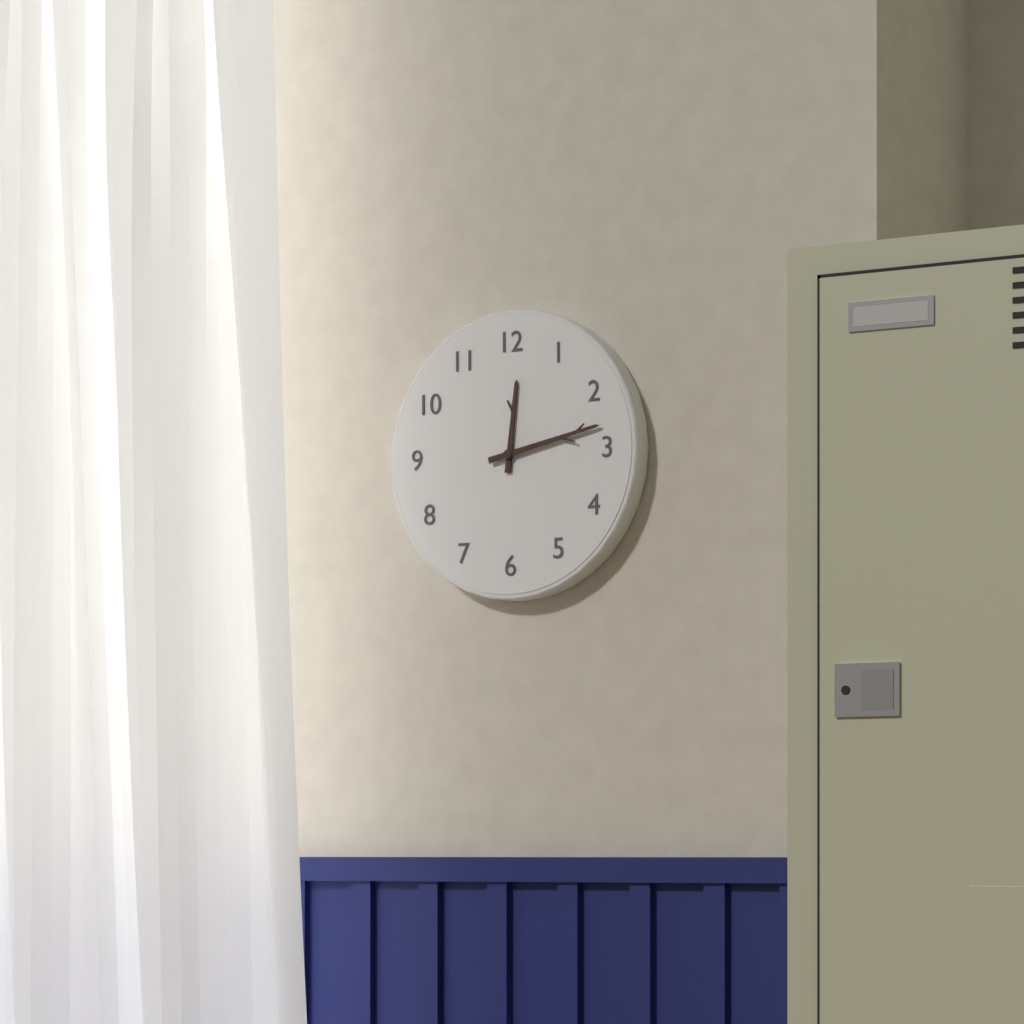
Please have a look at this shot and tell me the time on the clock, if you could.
12:13
